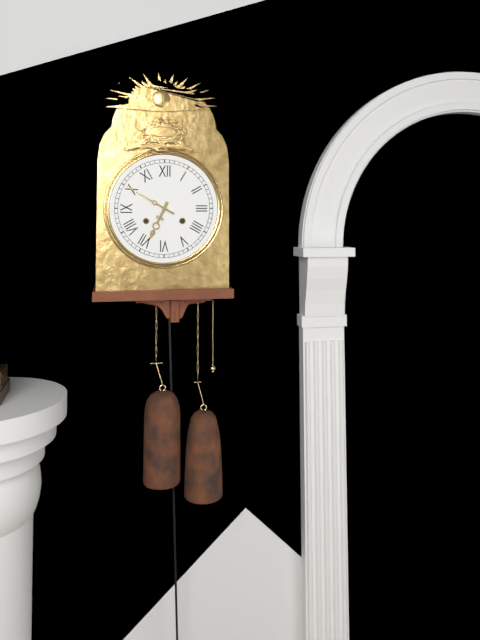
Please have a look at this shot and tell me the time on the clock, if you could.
6:50
